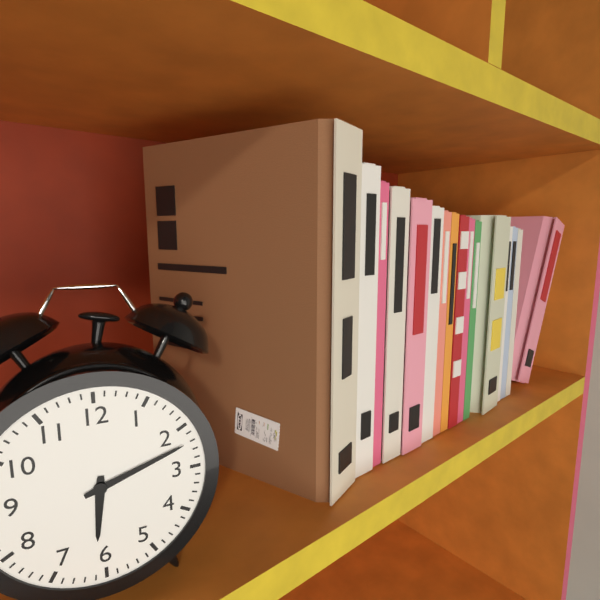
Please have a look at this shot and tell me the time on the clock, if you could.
6:12
